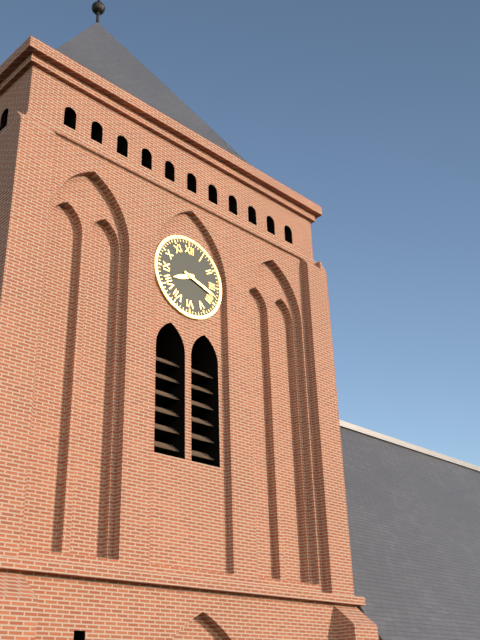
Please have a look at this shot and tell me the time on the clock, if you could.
8:18
